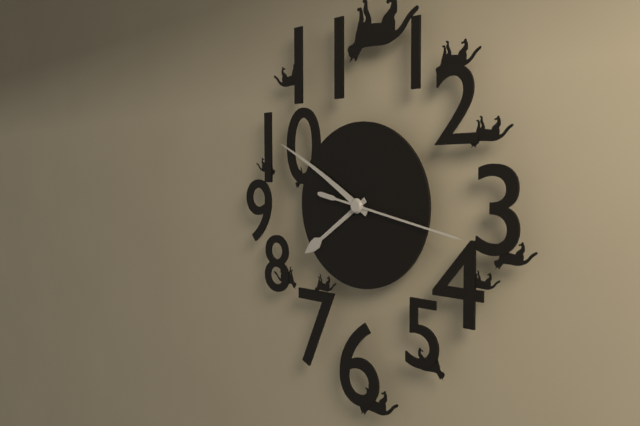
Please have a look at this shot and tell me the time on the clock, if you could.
7:50:17
